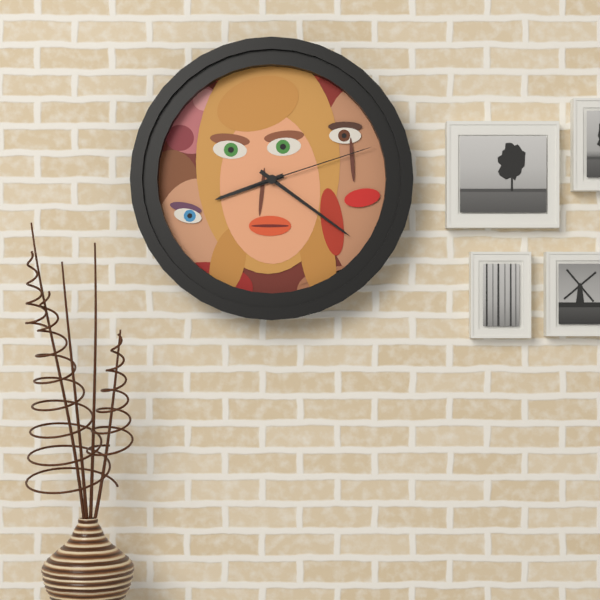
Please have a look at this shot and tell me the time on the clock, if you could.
8:21:12
